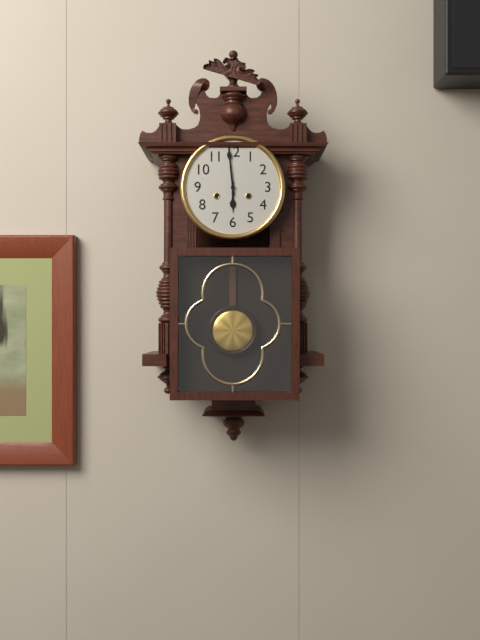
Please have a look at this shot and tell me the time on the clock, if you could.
5:59
